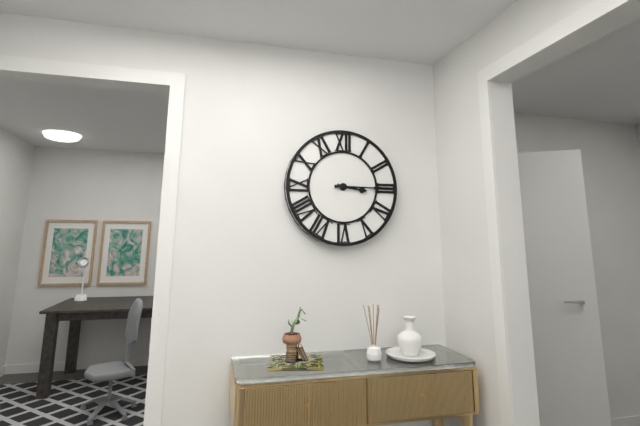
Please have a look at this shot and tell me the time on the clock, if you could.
3:15
